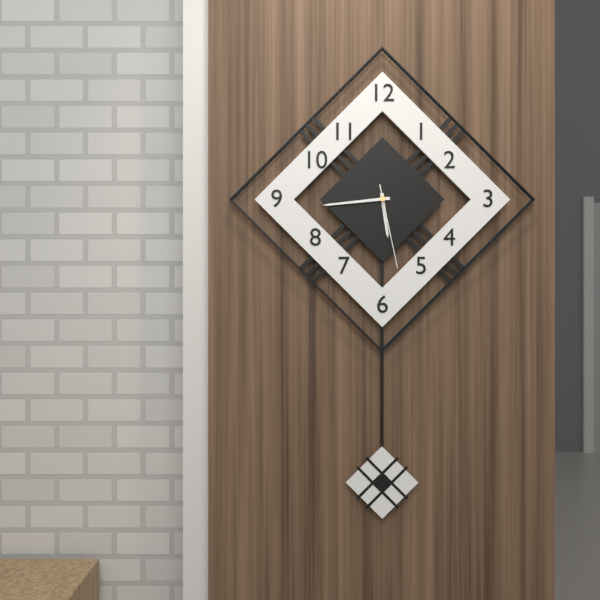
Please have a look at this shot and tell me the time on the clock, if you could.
5:44:28
